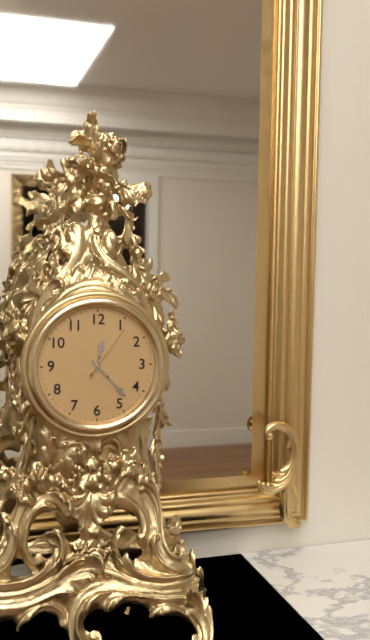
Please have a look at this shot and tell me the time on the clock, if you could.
12:23:06
